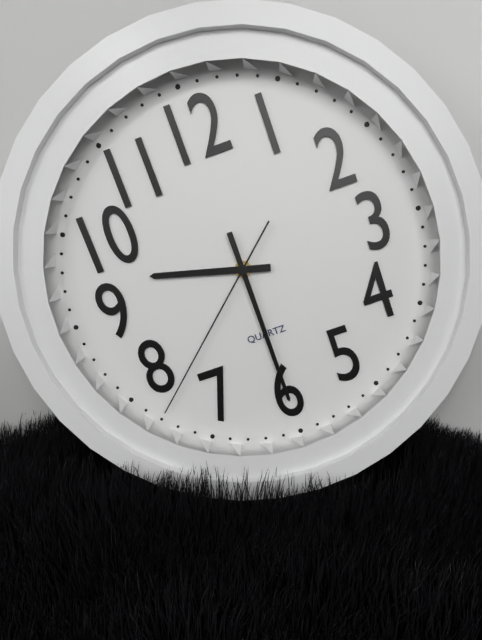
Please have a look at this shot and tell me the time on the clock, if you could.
9:30:38
